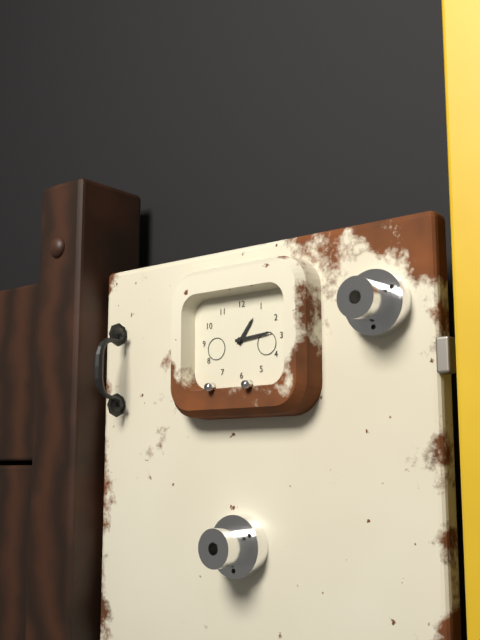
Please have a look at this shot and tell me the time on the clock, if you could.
1:14
